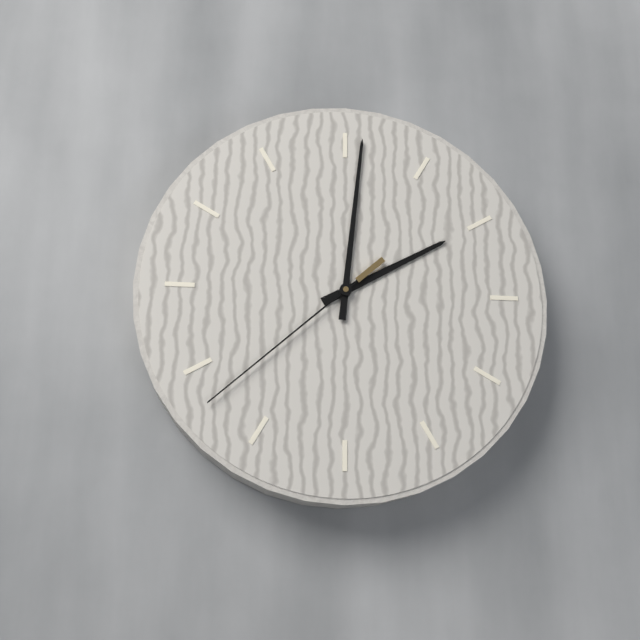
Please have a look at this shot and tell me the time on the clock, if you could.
2:01:38
